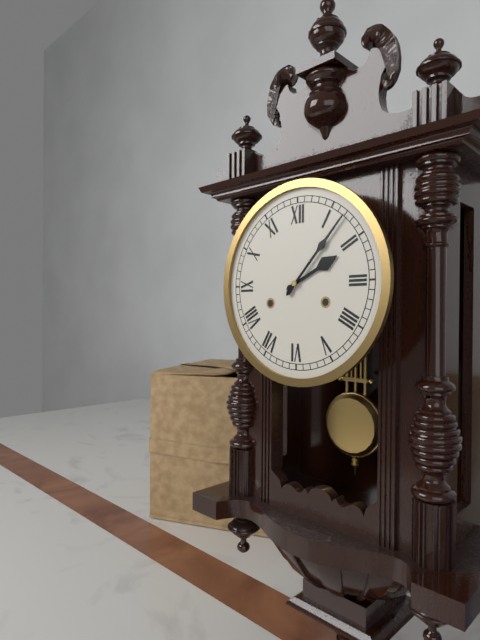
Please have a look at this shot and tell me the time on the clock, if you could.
2:07
